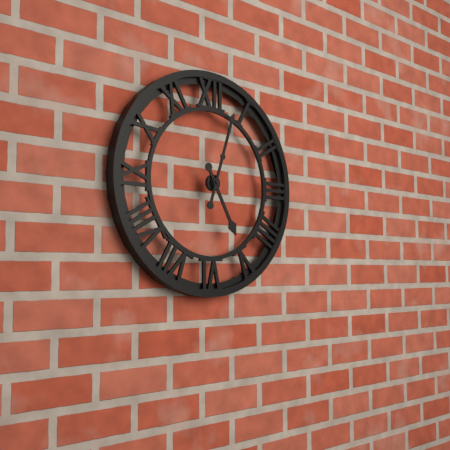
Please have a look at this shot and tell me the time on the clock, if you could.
5:03
